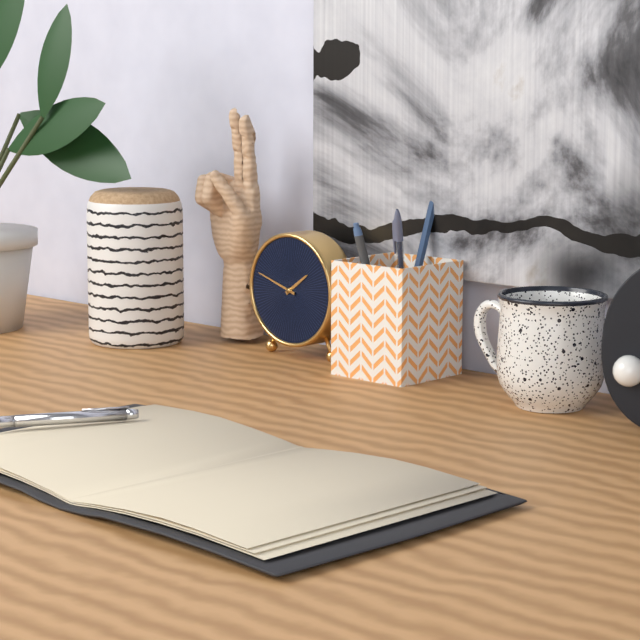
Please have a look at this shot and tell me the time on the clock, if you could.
1:48
